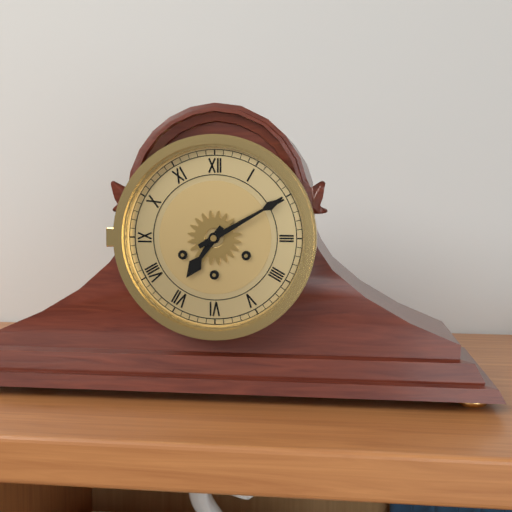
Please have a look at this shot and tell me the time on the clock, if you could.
7:10
